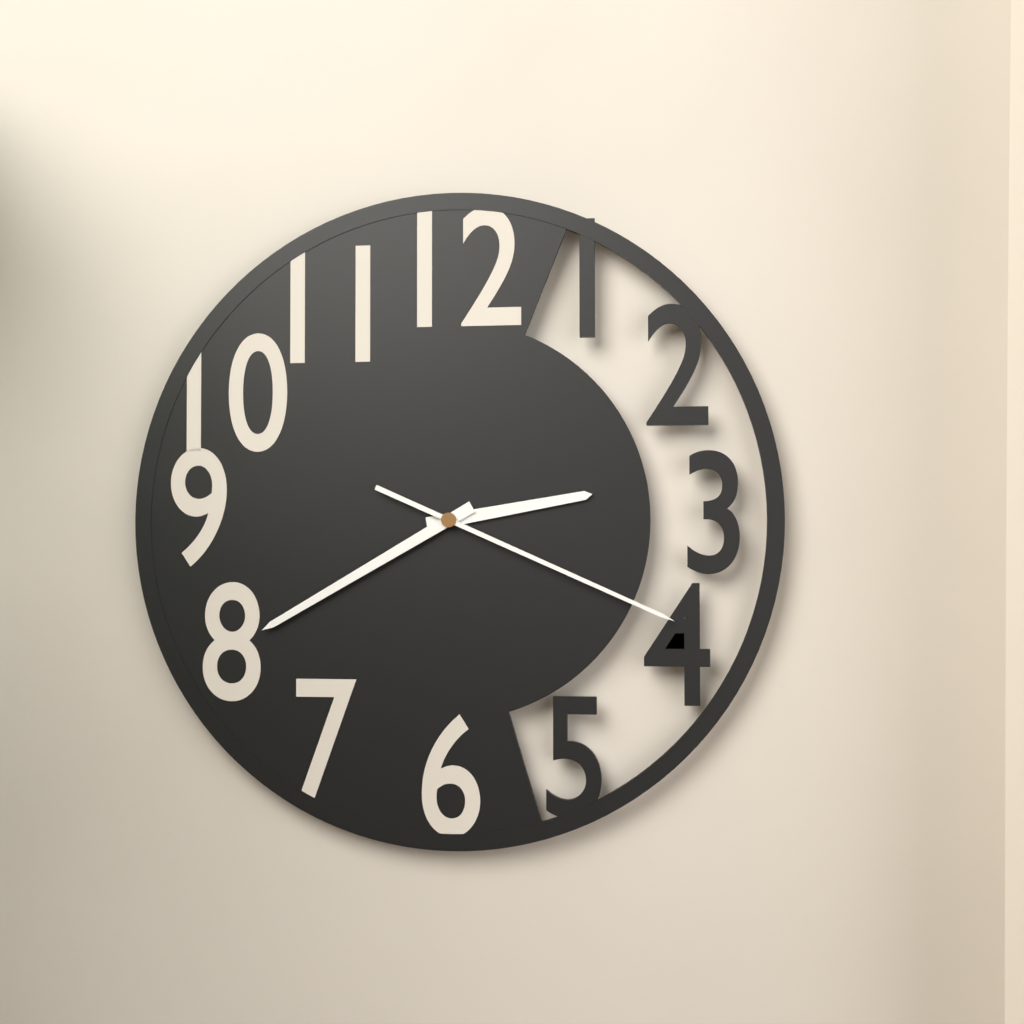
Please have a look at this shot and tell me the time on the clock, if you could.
2:40:19
